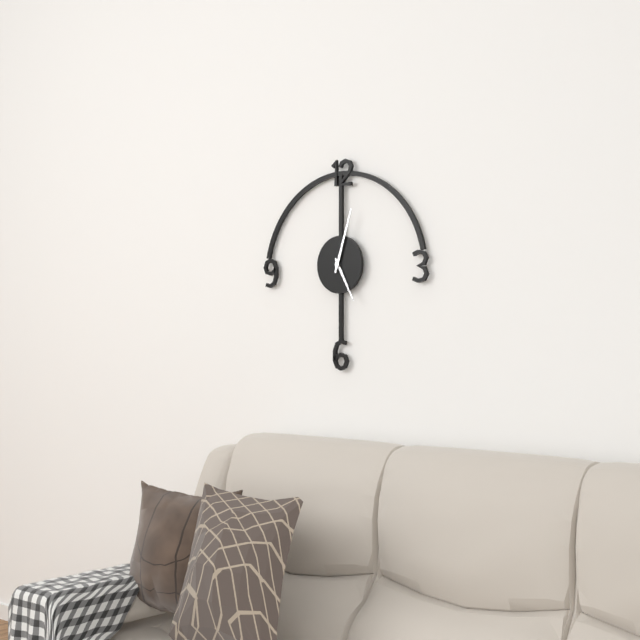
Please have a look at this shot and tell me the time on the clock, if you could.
5:03
